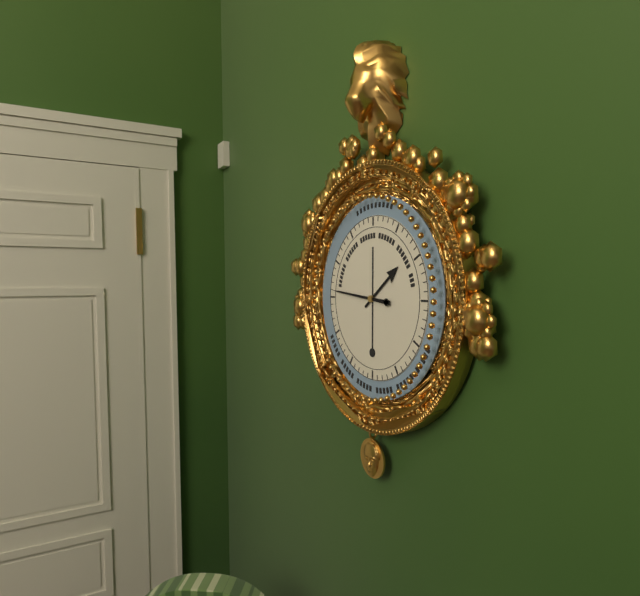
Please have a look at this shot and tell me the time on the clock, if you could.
1:46
